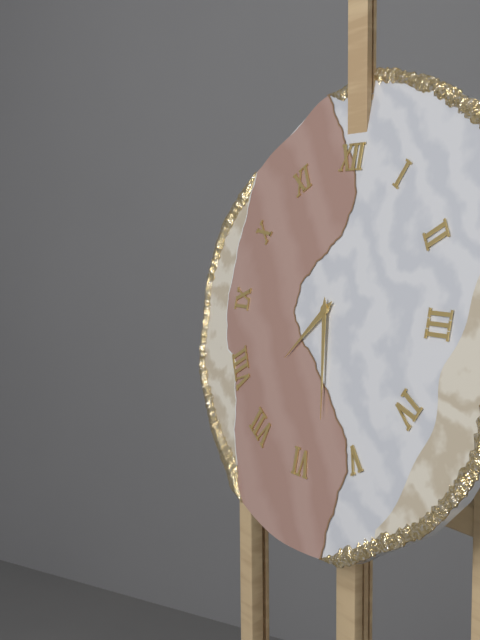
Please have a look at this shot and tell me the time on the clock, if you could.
7:28
